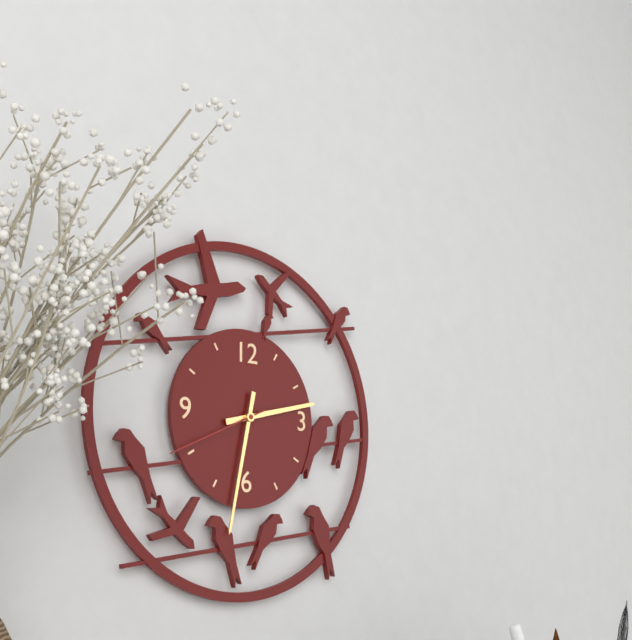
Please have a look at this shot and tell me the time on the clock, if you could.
2:32:41
